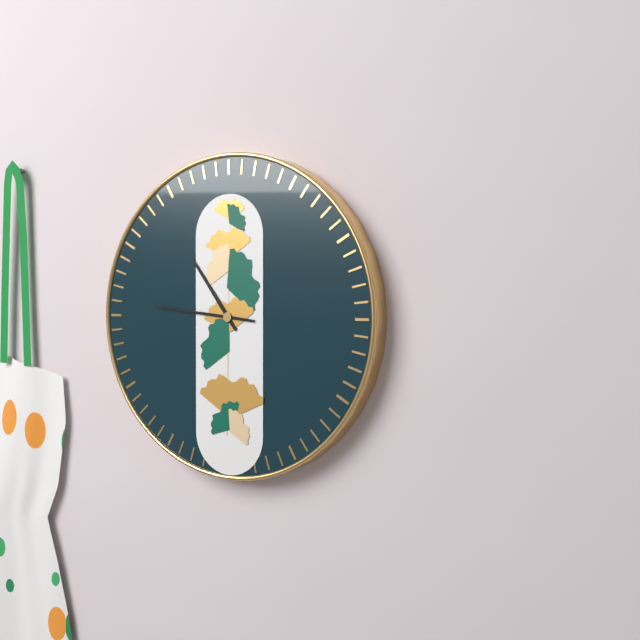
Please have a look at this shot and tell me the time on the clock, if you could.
10:46
